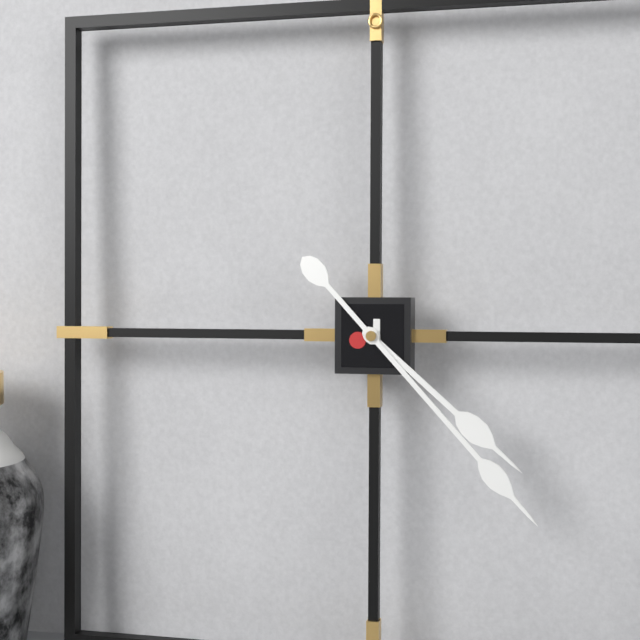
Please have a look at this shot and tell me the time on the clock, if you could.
4:23
